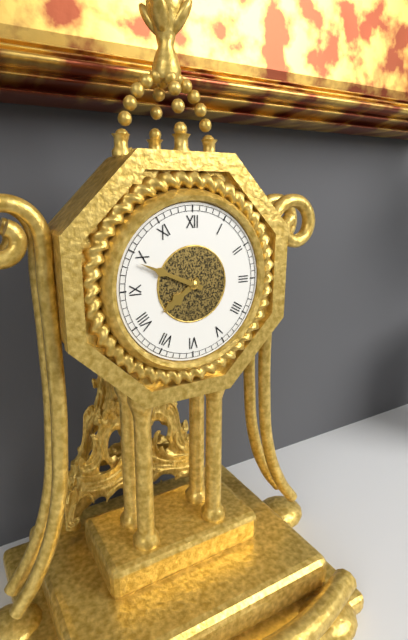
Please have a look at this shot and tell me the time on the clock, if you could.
7:49
